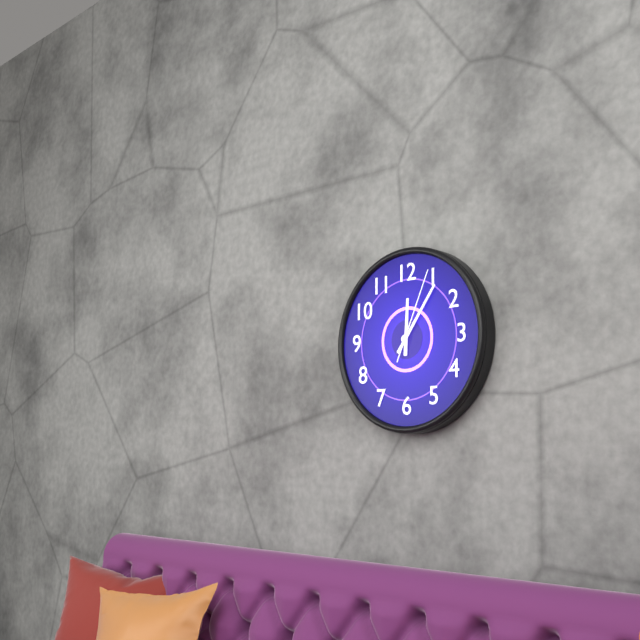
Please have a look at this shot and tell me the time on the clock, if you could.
12:06:04
